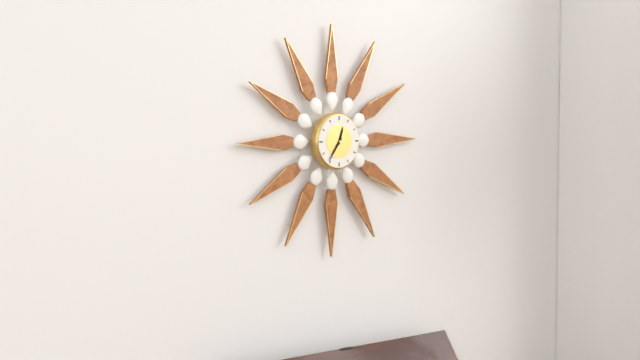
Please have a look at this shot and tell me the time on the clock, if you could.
12:36
